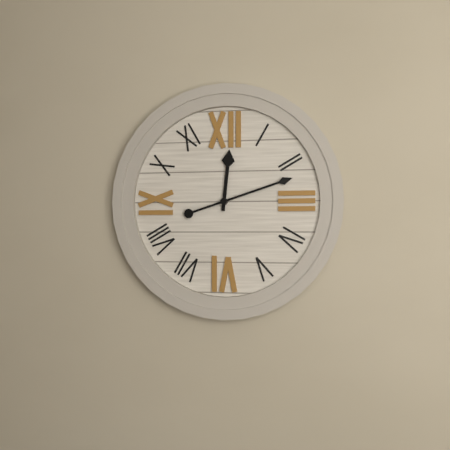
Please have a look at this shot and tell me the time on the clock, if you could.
12:12
